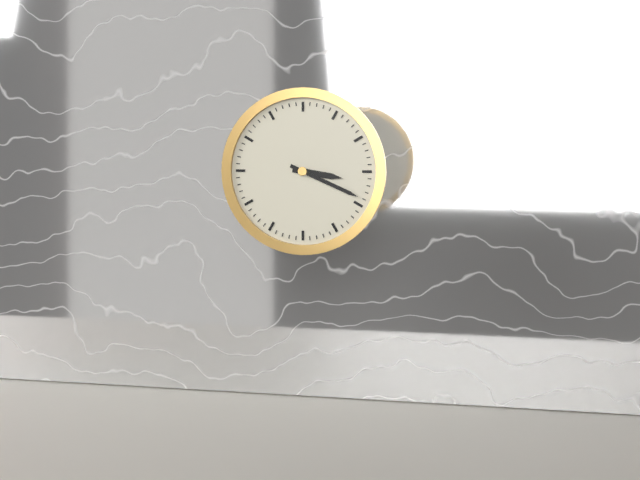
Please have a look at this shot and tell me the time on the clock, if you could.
3:19
